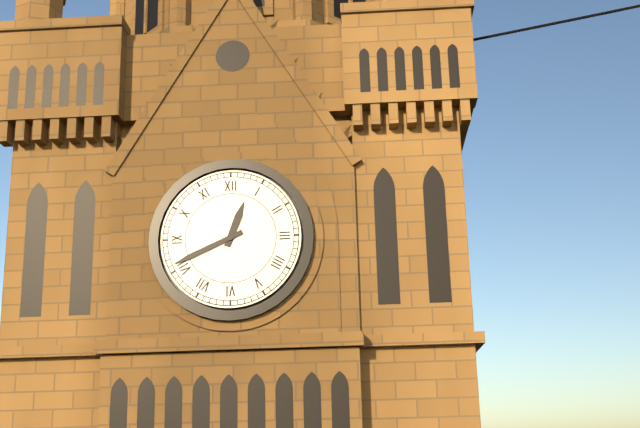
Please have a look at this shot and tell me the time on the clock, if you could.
12:41
